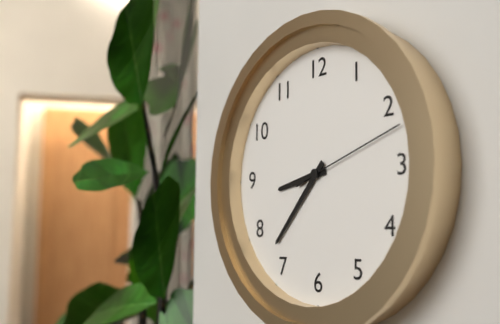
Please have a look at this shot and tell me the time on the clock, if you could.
8:37:12
